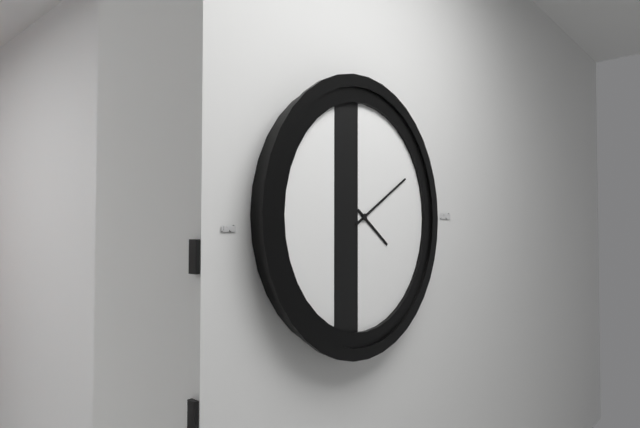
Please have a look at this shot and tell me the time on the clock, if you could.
4:10
